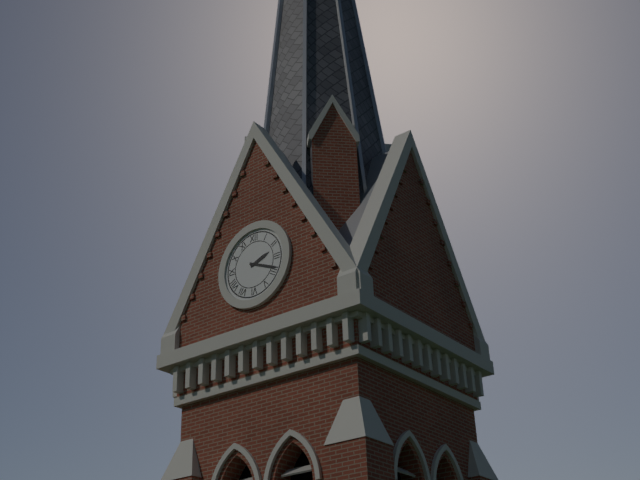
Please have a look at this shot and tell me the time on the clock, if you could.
2:19
